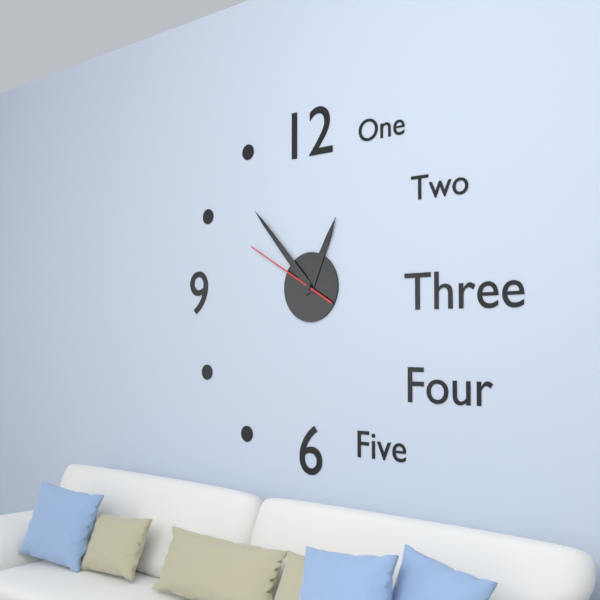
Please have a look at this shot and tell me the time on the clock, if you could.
12:53:50
